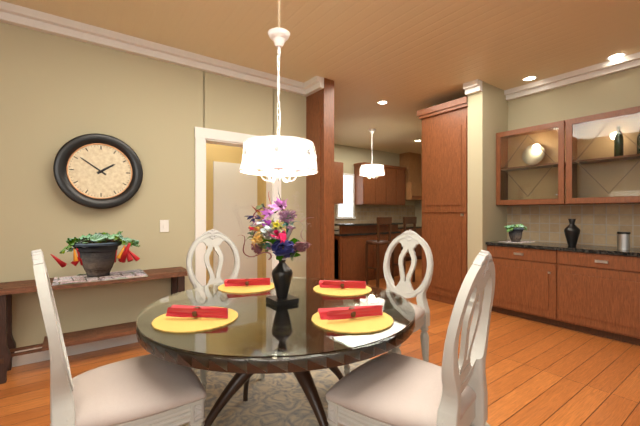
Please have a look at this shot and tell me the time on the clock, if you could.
1:51
